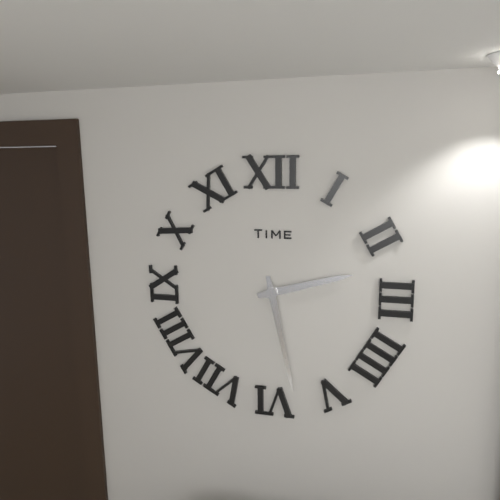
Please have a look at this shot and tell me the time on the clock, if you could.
2:28
